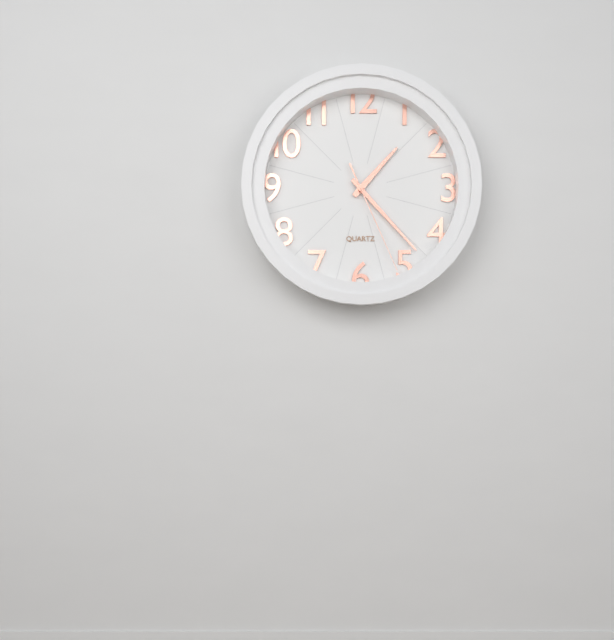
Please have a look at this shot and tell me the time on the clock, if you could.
1:23:26
